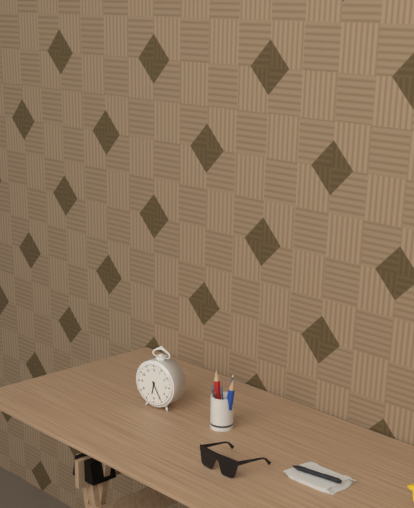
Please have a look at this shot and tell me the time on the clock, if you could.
6:25
